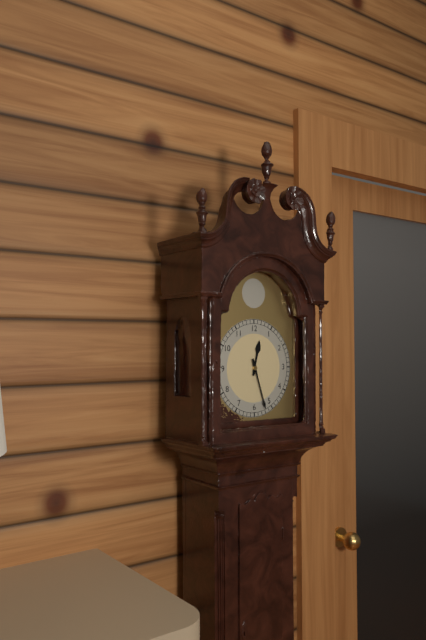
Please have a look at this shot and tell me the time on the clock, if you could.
12:27
